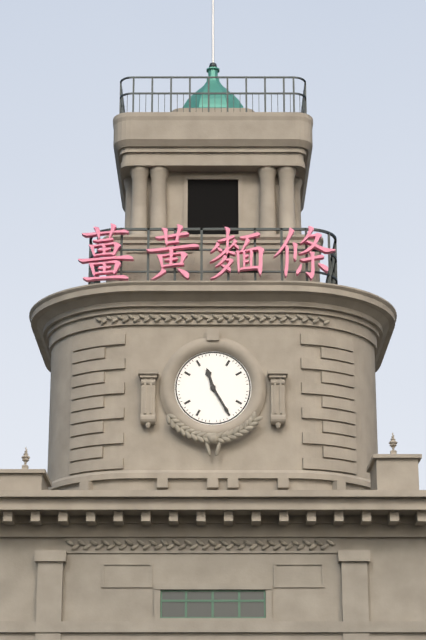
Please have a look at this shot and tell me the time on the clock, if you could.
11:25
